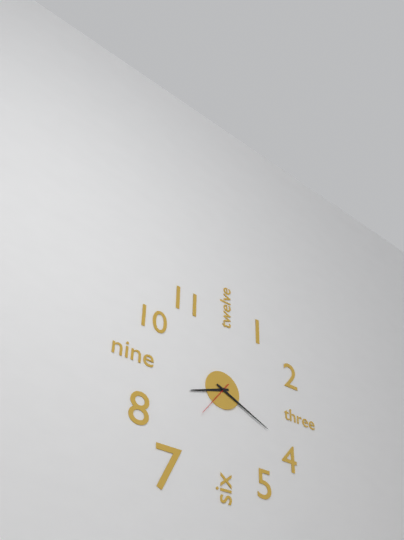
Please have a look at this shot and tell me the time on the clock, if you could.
8:19
